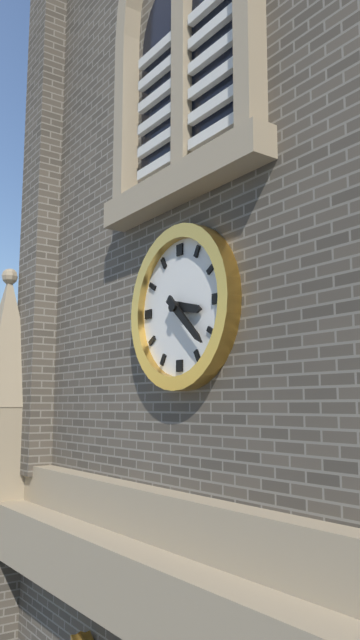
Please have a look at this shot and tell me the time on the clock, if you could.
3:22
